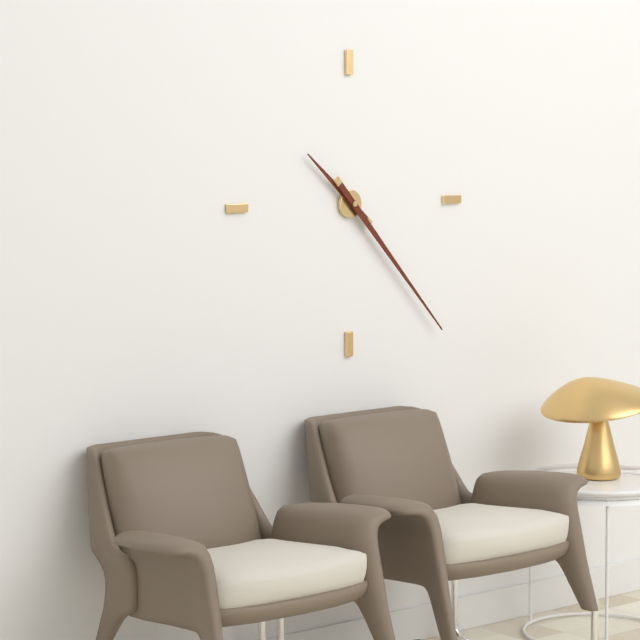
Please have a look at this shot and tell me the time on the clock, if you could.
10:23
